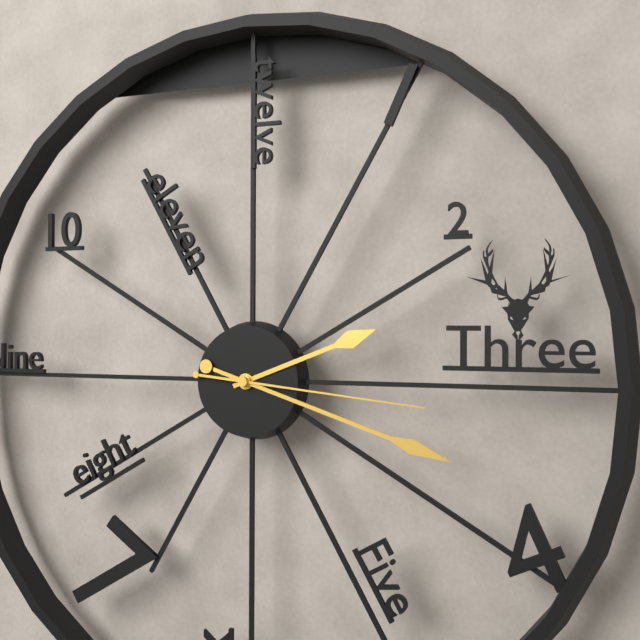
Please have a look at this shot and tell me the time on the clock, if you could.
2:18:16
